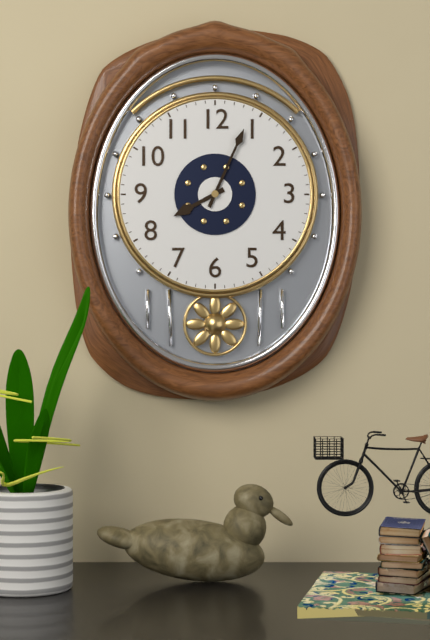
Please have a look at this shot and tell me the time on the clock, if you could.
8:04
